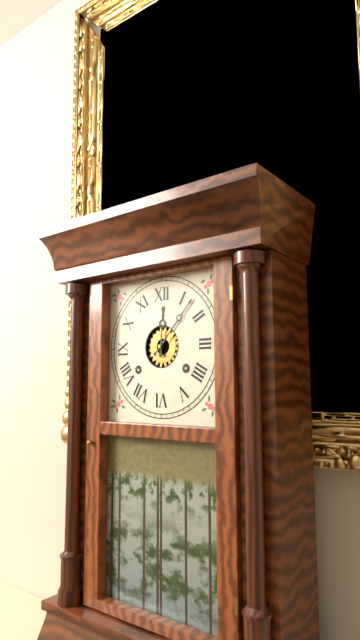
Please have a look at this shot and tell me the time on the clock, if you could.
12:07
